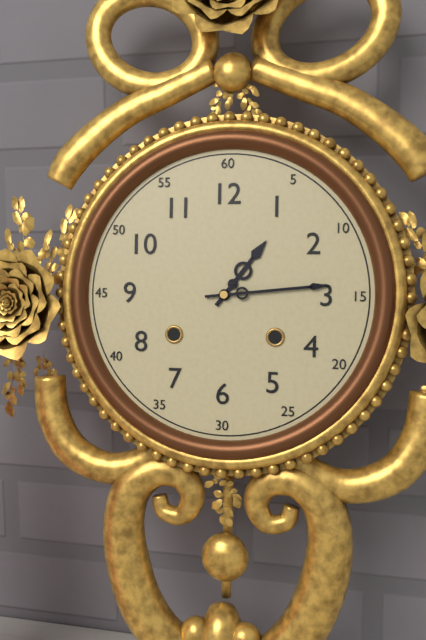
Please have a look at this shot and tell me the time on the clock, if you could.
1:14
